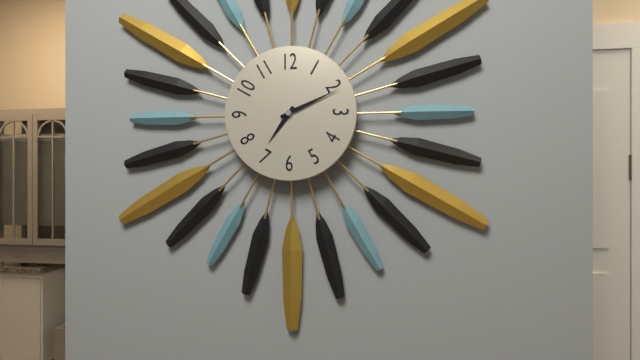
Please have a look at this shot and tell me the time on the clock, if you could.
7:11
